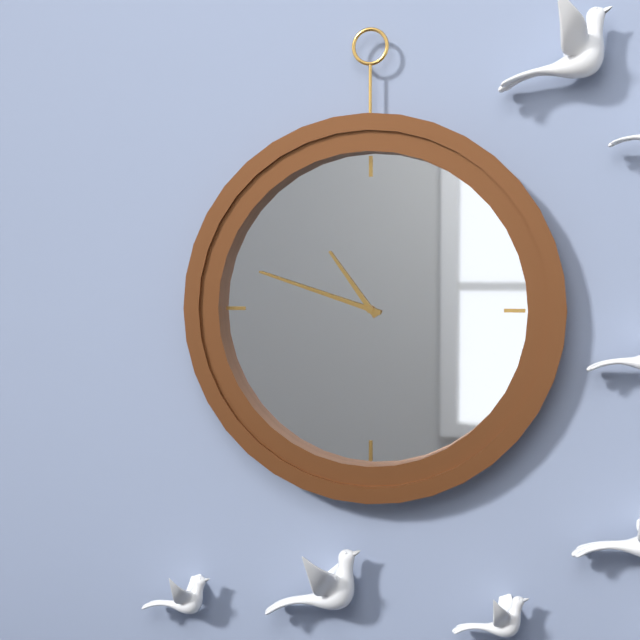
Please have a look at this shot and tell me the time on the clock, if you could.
10:48
